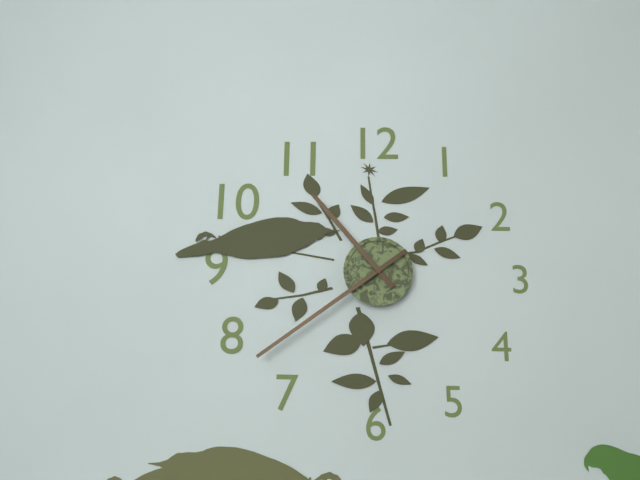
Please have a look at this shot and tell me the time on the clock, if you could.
10:39
